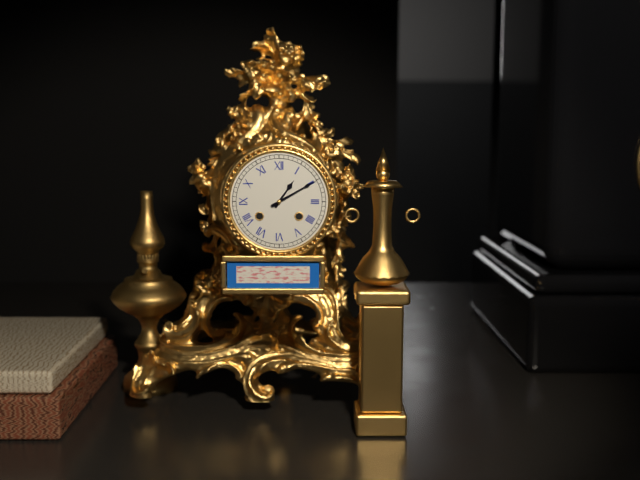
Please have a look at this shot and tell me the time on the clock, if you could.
1:10
